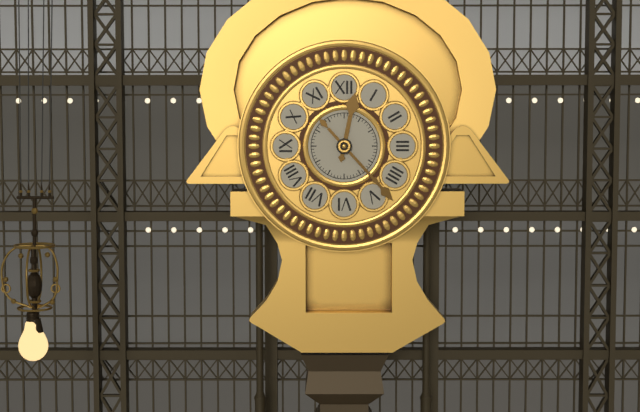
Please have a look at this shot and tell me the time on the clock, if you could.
12:23
